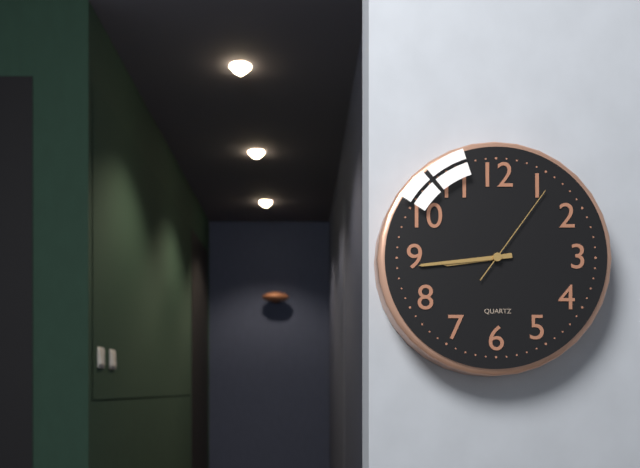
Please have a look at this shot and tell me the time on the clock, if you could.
8:44:06
